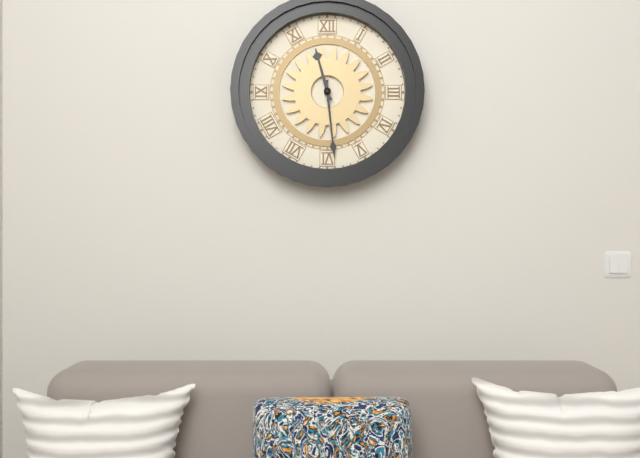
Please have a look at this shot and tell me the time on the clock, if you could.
11:29
